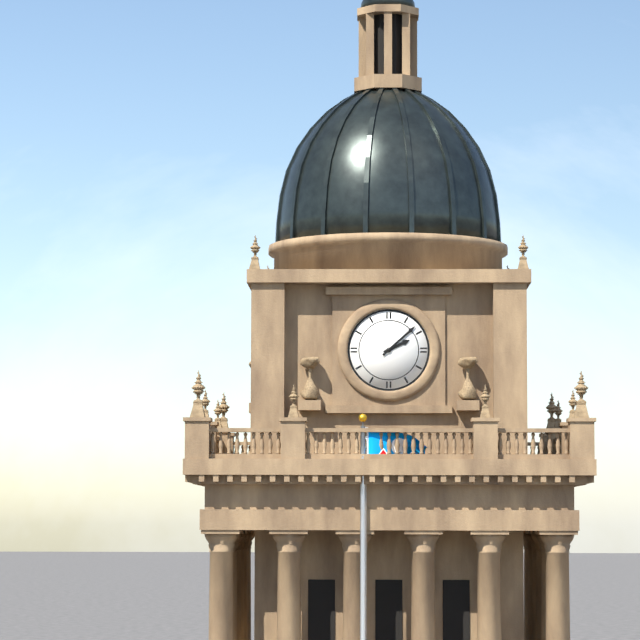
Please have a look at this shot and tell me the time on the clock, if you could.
2:08
